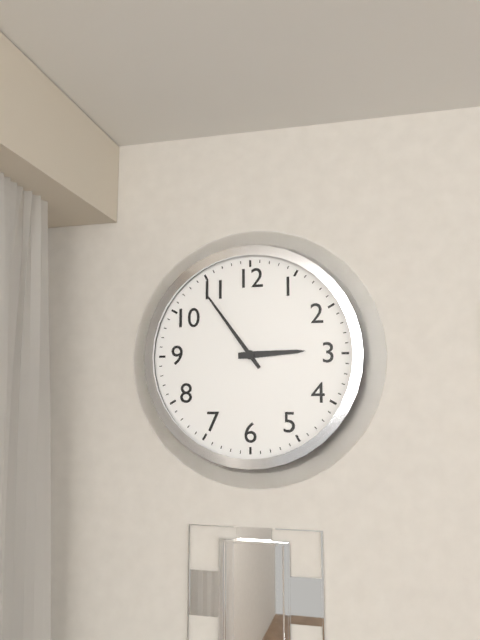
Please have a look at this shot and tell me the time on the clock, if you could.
2:54
